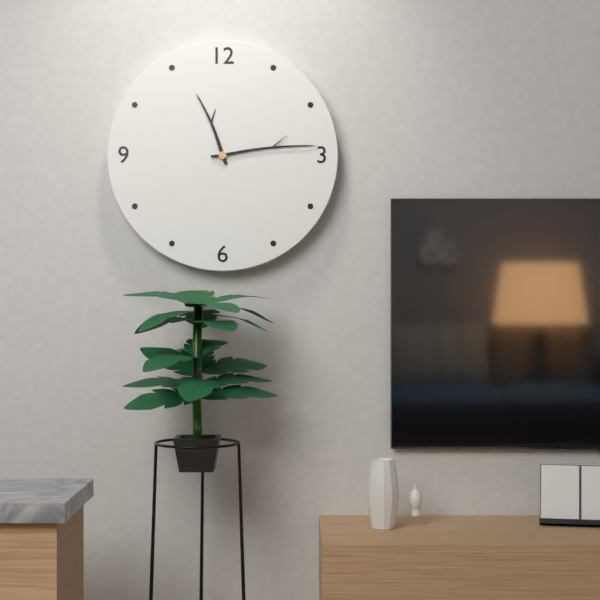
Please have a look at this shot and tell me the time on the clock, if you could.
11:14
